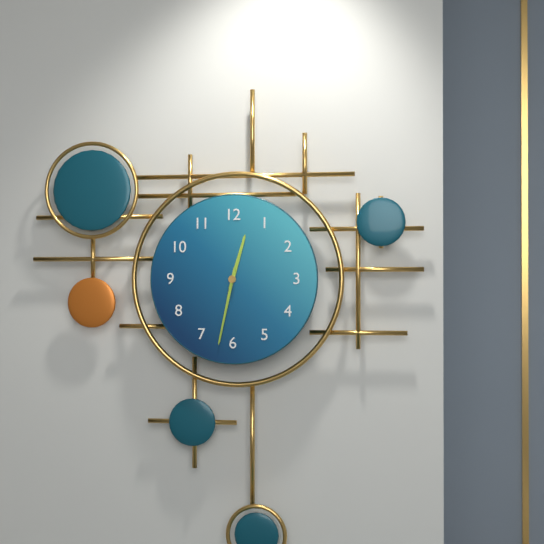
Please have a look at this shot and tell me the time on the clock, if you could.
12:32
